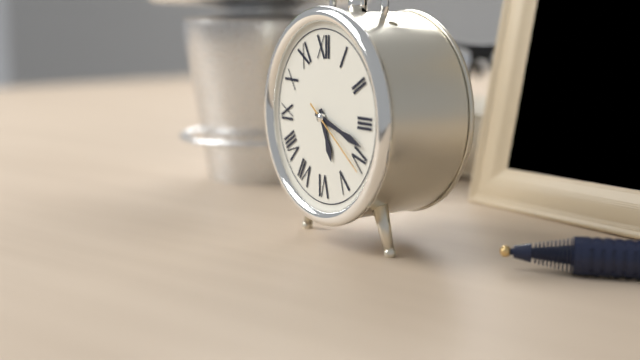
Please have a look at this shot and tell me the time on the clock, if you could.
5:18:21
